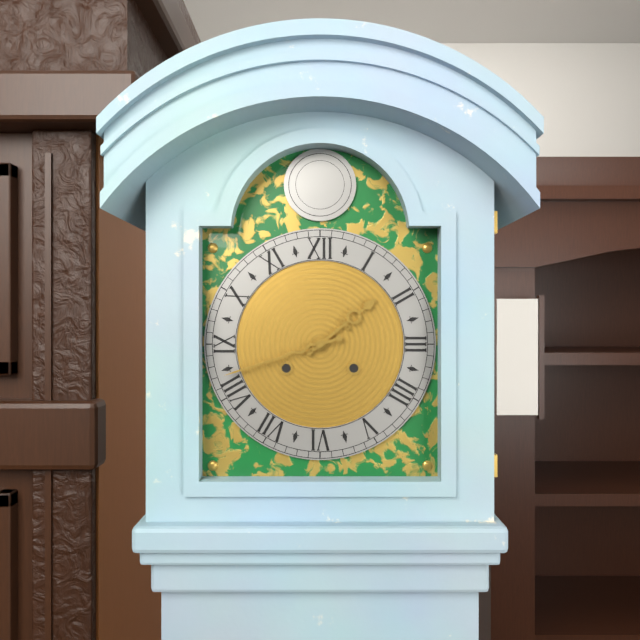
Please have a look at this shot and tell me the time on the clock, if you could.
1:42
